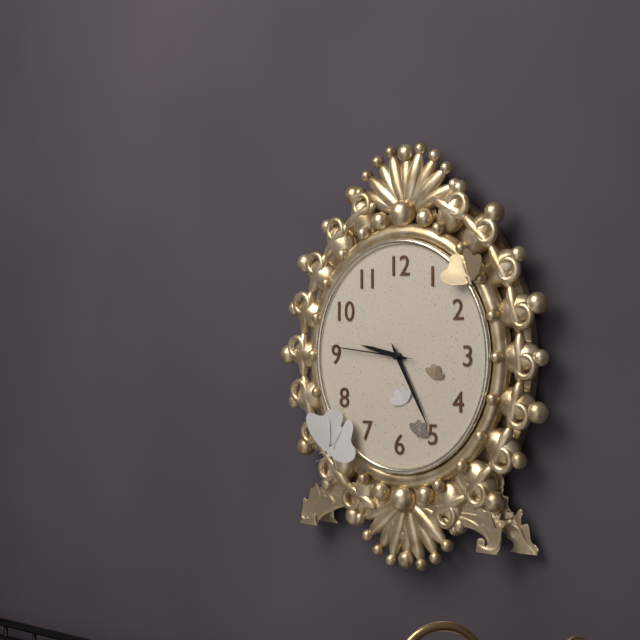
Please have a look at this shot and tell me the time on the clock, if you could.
9:25:46
